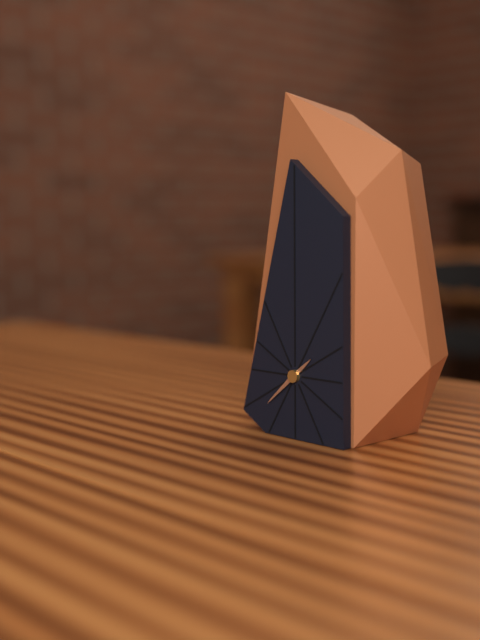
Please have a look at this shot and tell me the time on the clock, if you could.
1:38
